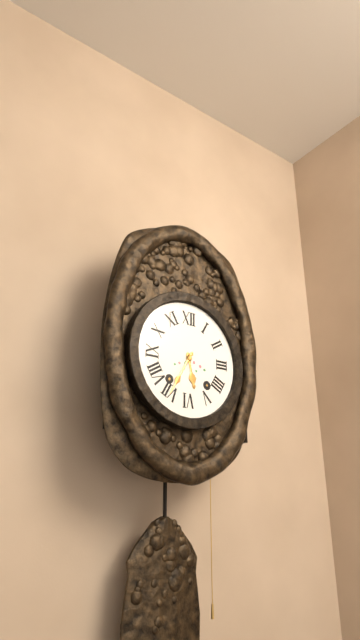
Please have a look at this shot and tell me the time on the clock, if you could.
5:35
